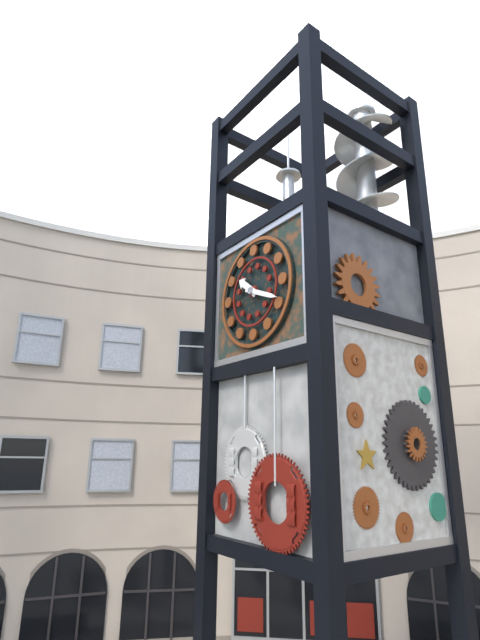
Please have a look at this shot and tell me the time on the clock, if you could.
10:19
